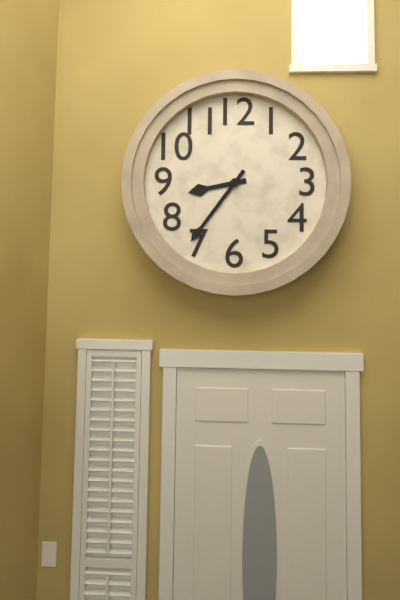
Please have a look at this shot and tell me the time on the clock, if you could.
8:36
